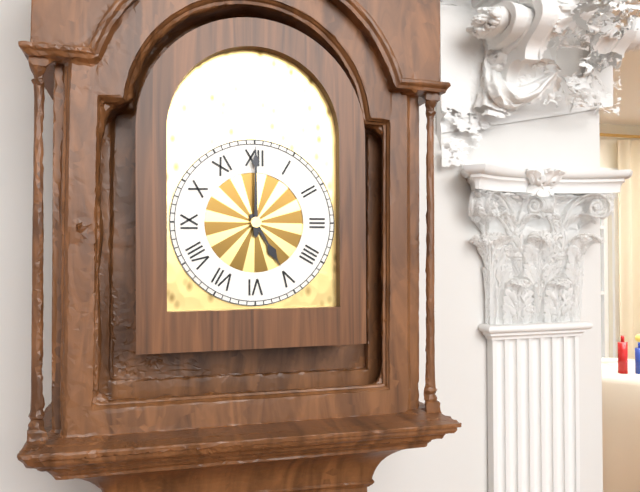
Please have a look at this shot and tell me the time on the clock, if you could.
5:00
